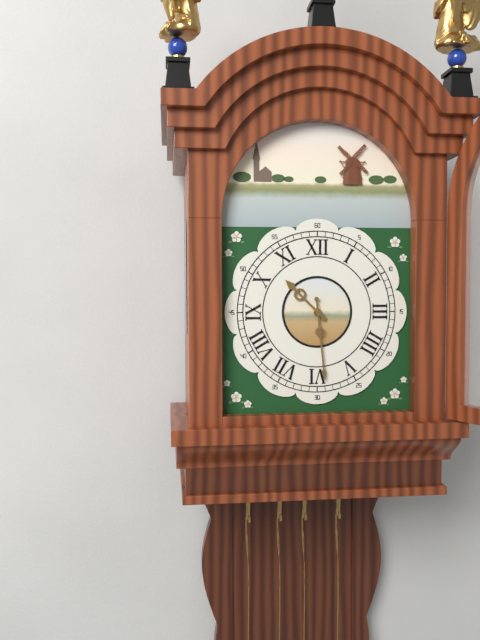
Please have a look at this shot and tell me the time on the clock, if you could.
10:29
